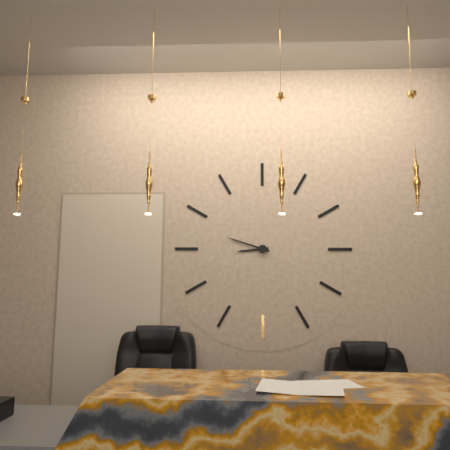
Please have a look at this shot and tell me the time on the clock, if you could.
8:48
